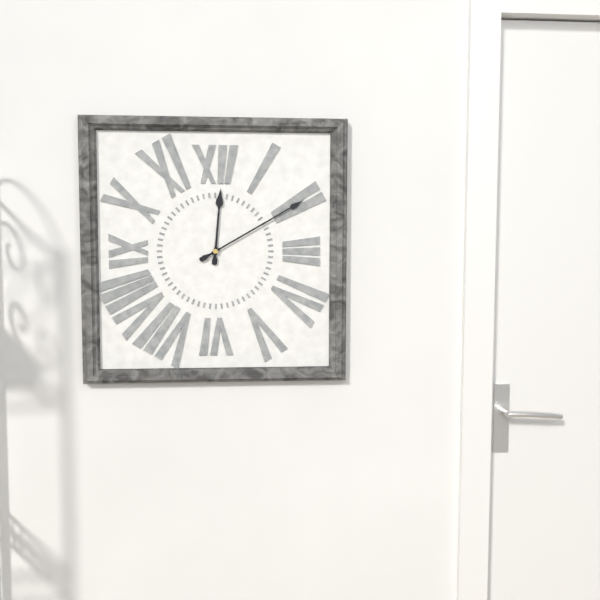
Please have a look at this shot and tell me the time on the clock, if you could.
12:10
